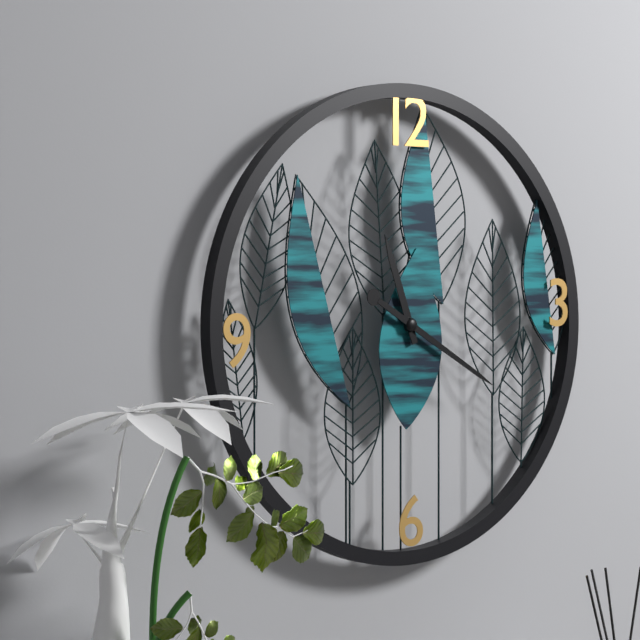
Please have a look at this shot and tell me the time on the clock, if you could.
11:20
